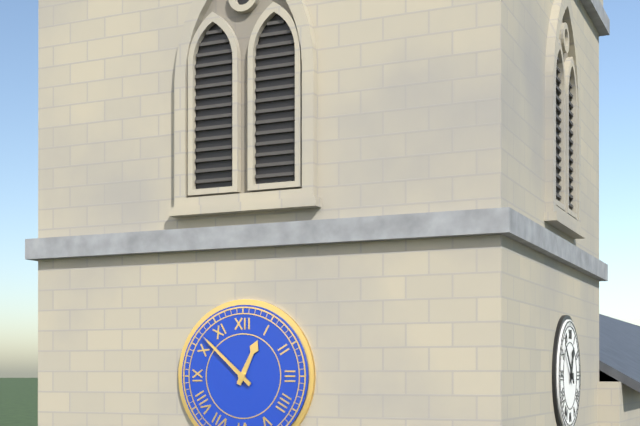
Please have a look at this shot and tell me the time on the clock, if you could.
12:52
